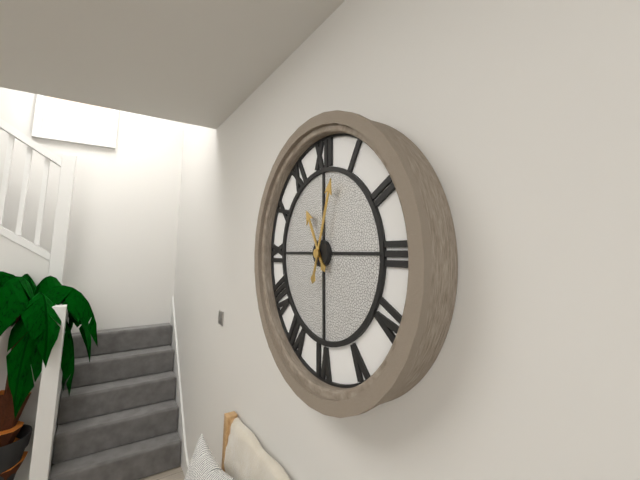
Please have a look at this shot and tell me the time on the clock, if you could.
11:03
